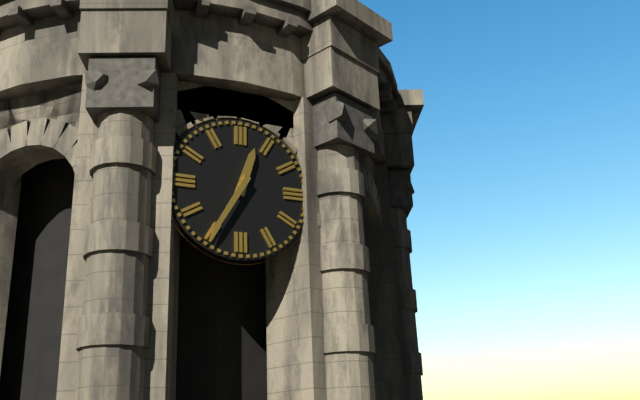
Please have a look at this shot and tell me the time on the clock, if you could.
12:35
